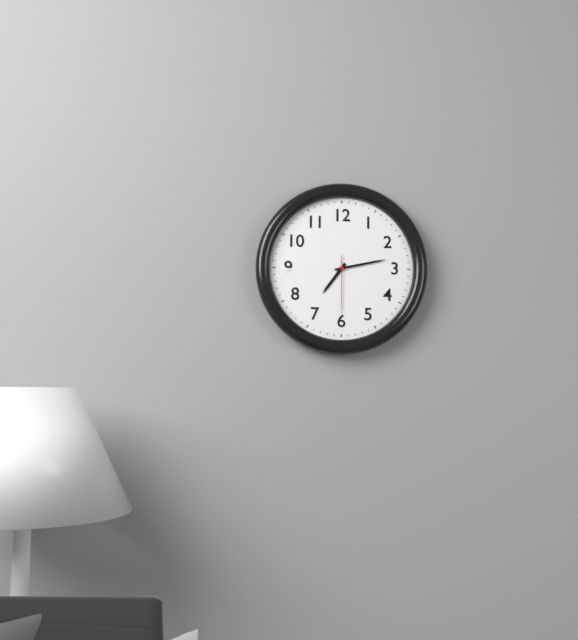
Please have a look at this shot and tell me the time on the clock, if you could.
7:13:30
